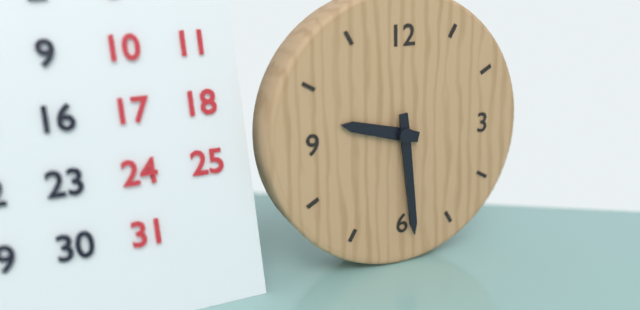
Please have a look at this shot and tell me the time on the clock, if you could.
9:29
